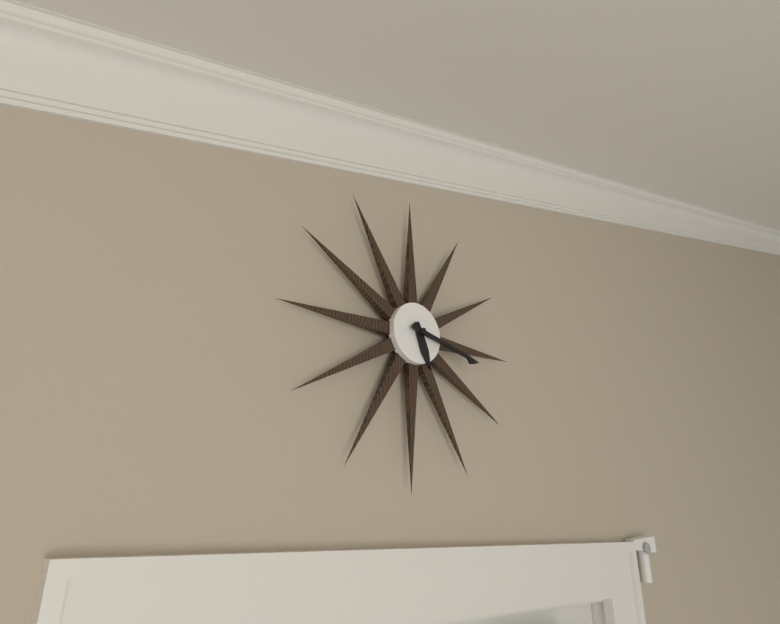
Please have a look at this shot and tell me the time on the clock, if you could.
5:17
